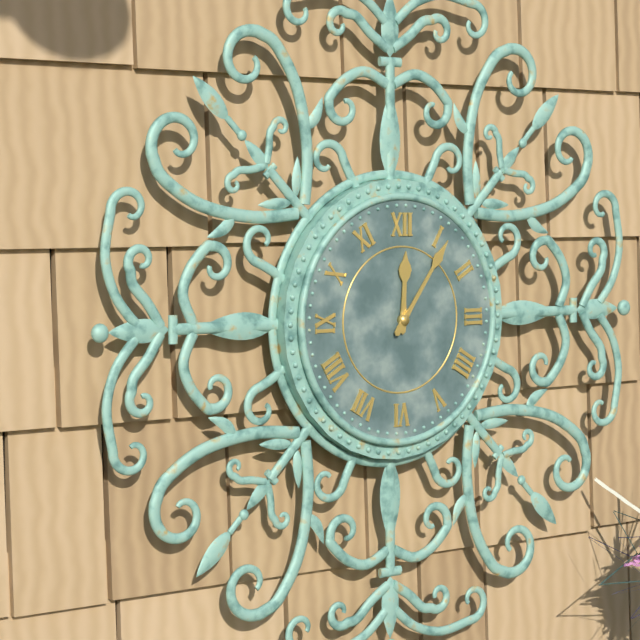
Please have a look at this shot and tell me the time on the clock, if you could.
12:06
